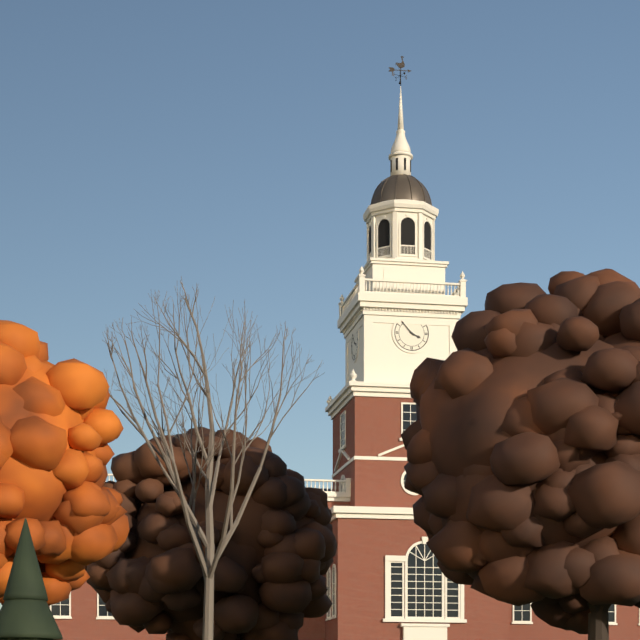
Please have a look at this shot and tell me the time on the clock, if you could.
3:53
